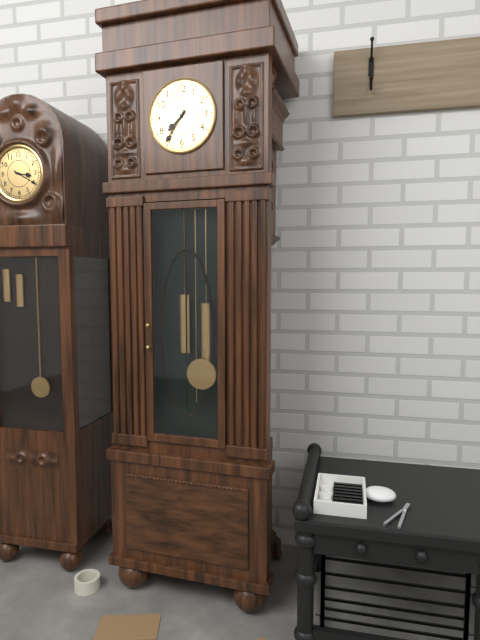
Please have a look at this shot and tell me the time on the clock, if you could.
7:36
